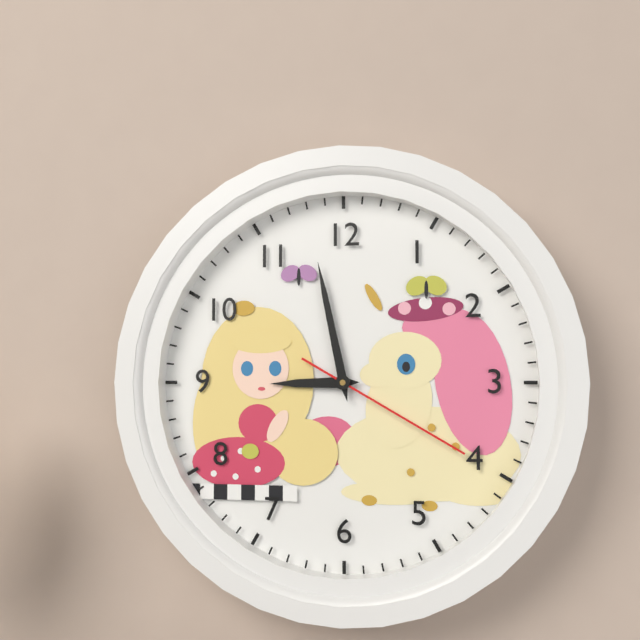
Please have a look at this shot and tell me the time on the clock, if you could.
8:58:20
